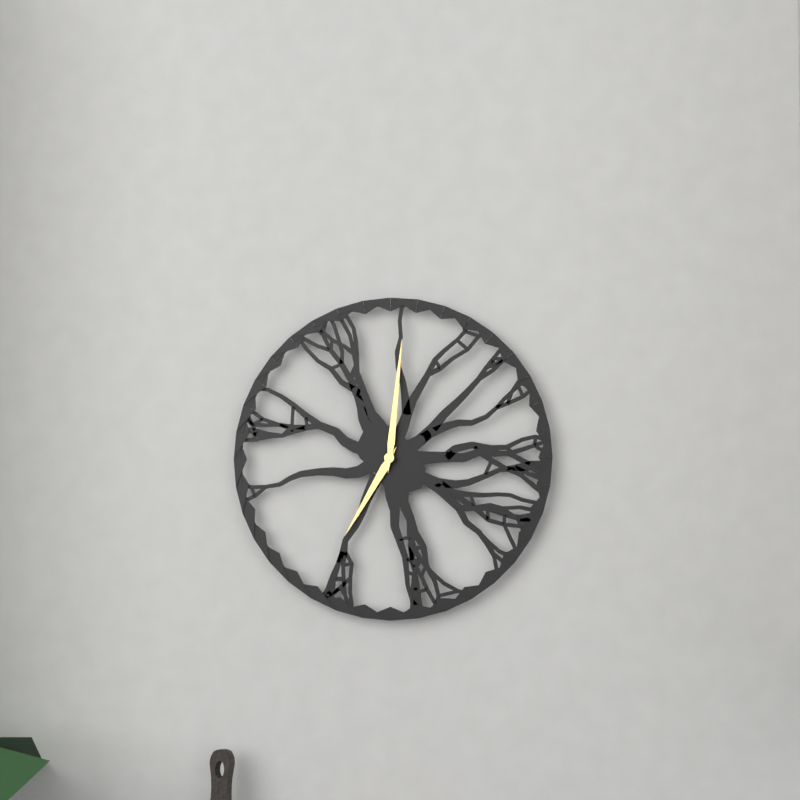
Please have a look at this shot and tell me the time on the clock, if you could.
7:01
